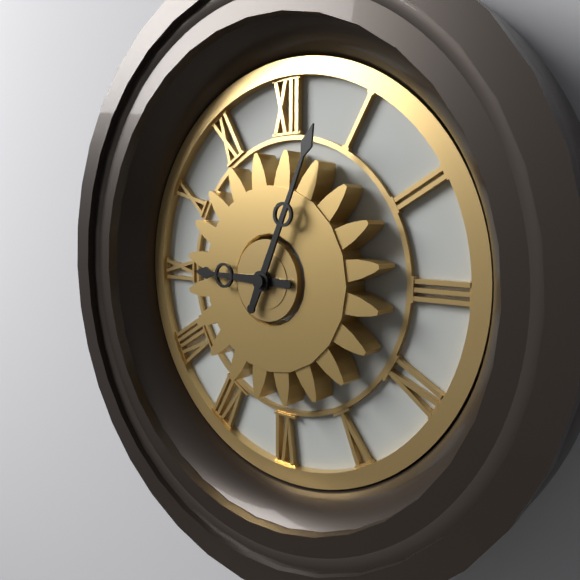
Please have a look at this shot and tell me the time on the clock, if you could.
9:04
